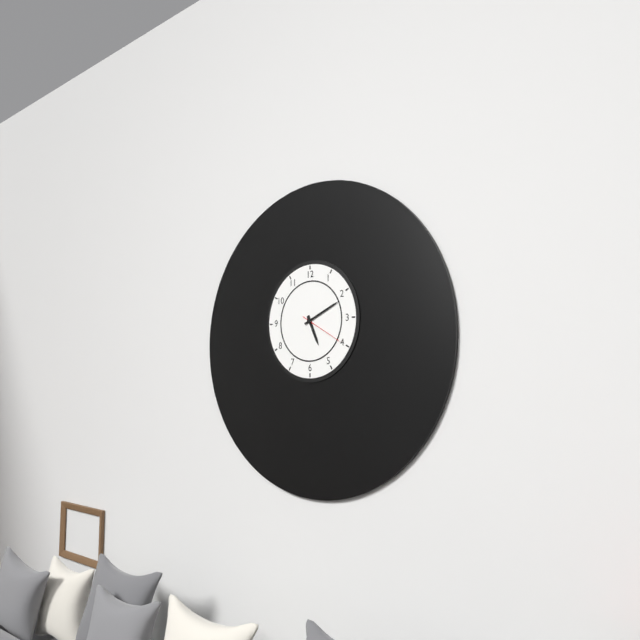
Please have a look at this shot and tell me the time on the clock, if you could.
5:11
